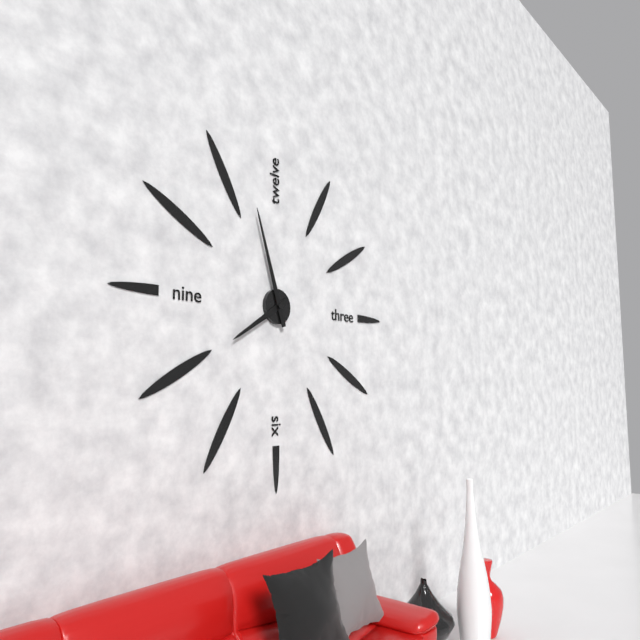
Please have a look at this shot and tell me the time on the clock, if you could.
7:57
